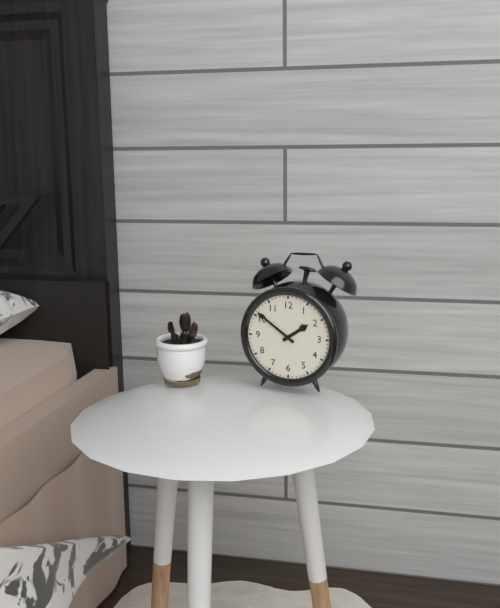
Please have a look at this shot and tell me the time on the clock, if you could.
1:51
